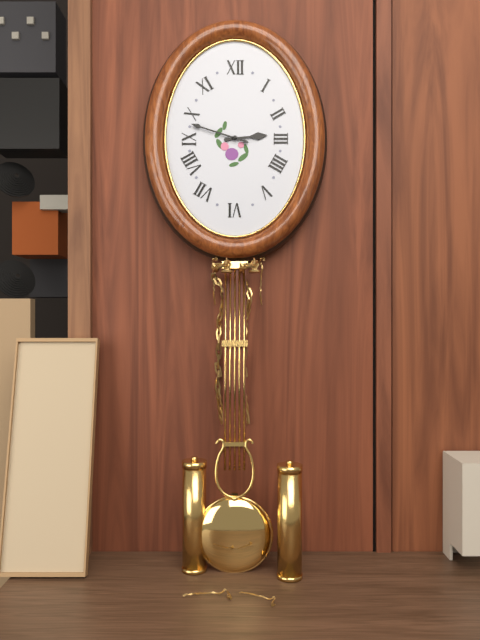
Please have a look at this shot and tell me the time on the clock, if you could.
2:48
